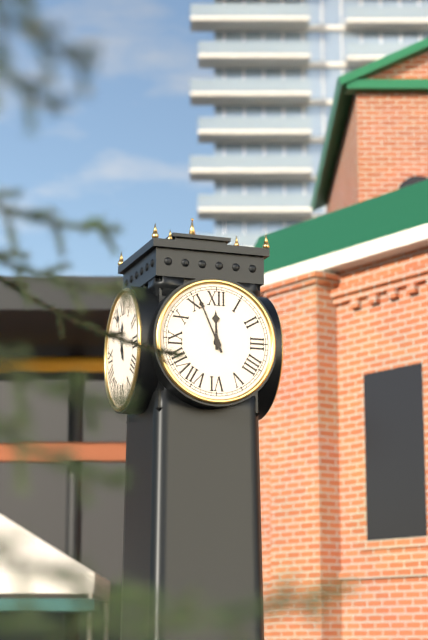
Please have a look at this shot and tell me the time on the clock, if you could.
11:56
